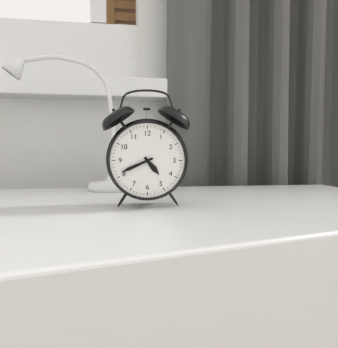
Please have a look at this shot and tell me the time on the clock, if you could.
4:41
